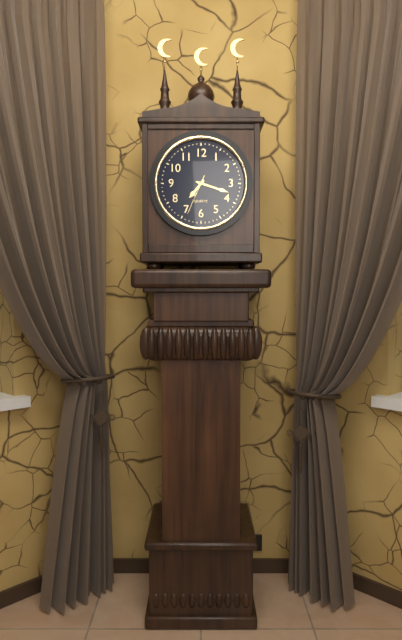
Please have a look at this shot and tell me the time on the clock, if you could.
7:18
